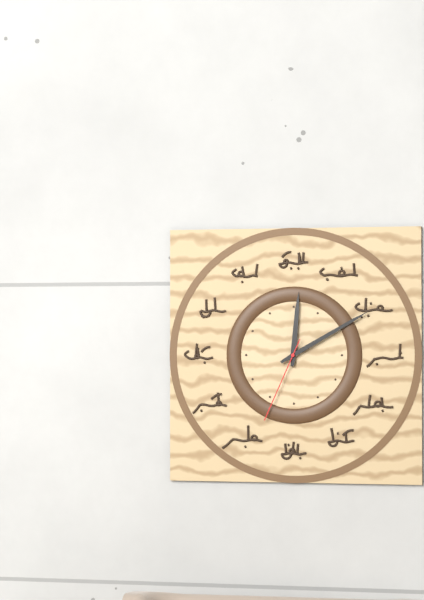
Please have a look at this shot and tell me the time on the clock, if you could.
12:10:34
